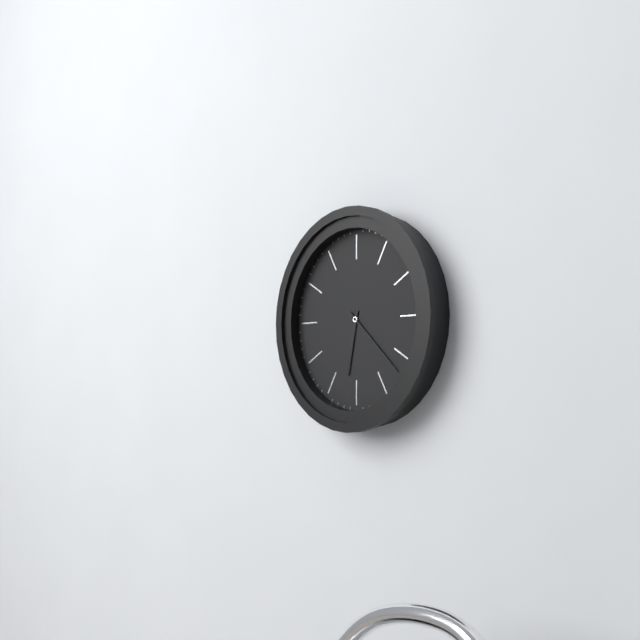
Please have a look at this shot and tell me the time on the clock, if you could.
6:22
